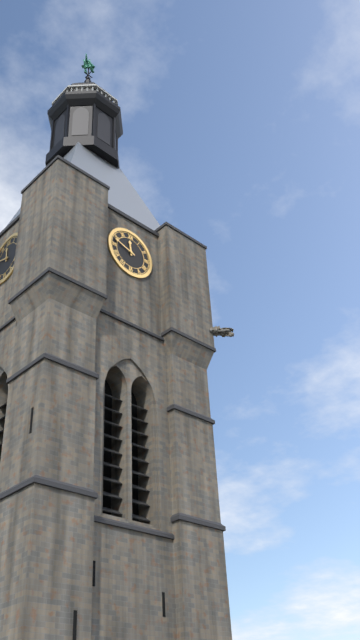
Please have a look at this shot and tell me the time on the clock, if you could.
11:48
